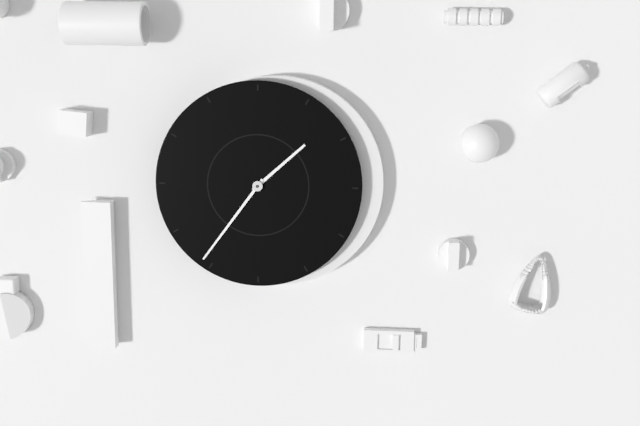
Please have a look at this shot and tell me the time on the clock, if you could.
1:36
